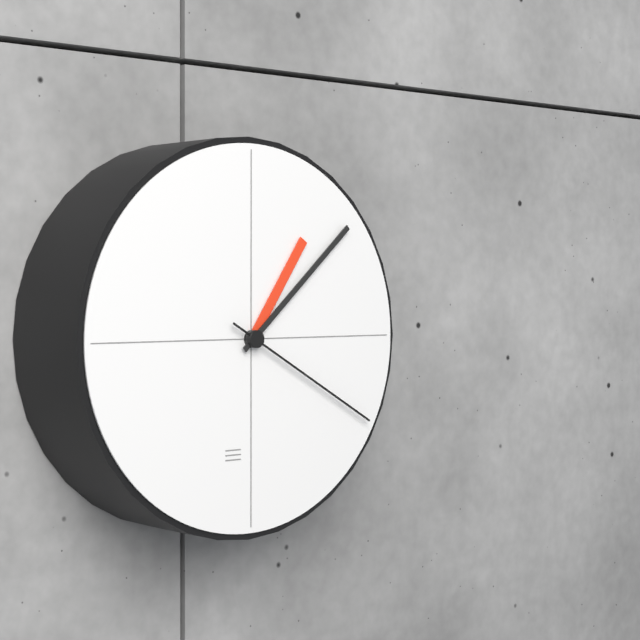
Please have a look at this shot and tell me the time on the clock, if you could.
1:08:20
